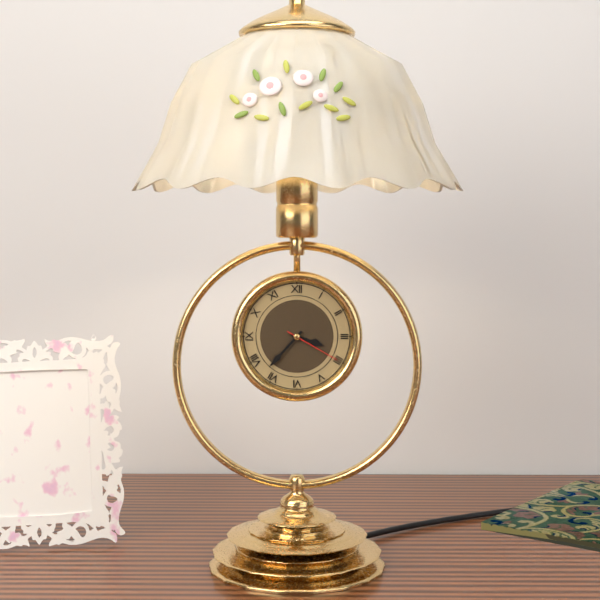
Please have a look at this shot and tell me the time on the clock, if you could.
3:37:20
